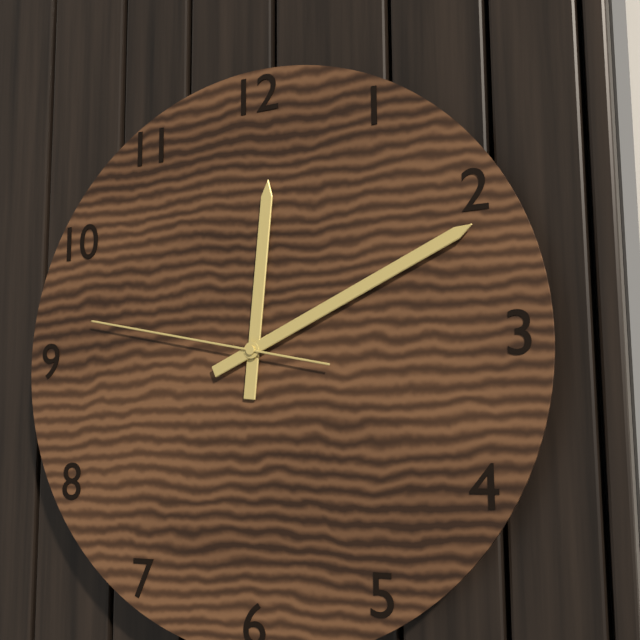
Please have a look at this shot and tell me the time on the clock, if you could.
12:11:47
